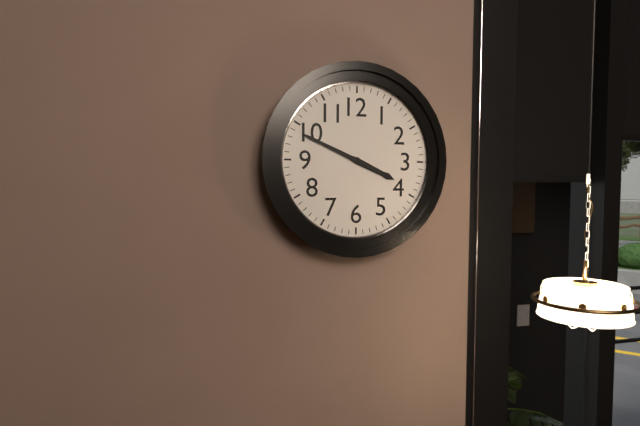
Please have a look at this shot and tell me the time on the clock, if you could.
3:49
